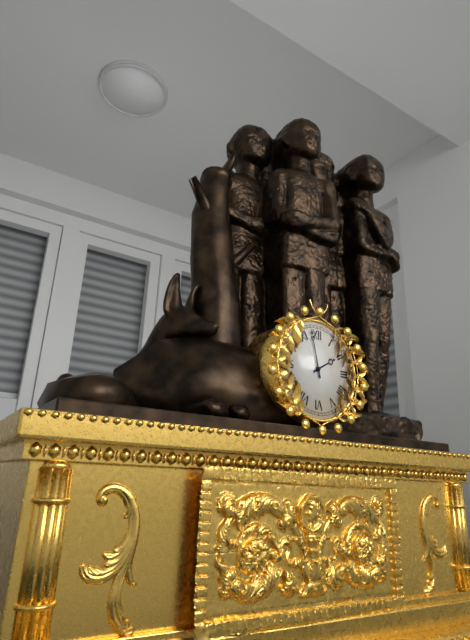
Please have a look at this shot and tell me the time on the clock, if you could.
1:58
